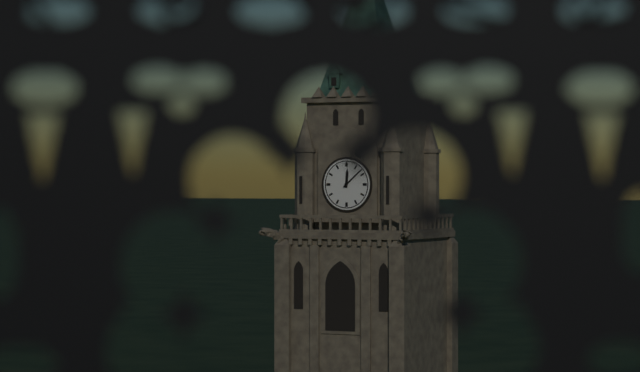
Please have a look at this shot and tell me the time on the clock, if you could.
12:08
